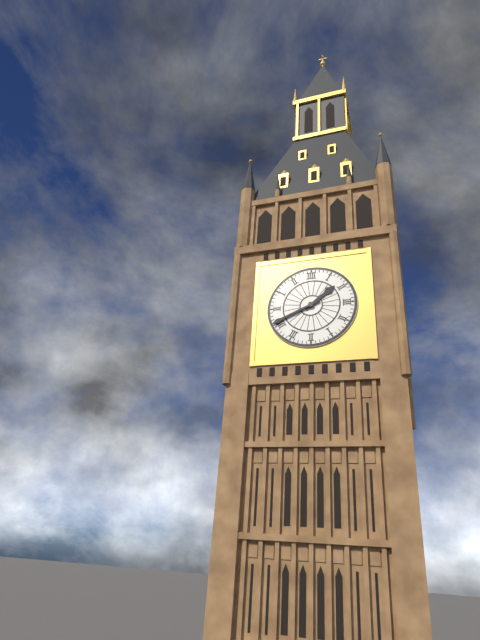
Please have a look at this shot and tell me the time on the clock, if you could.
1:41
